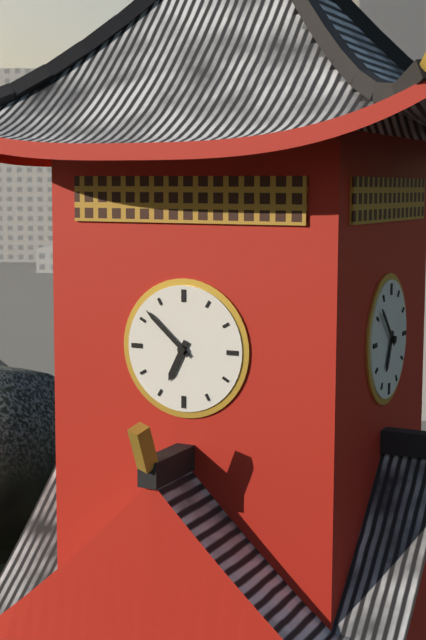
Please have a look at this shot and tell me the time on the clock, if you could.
6:52
